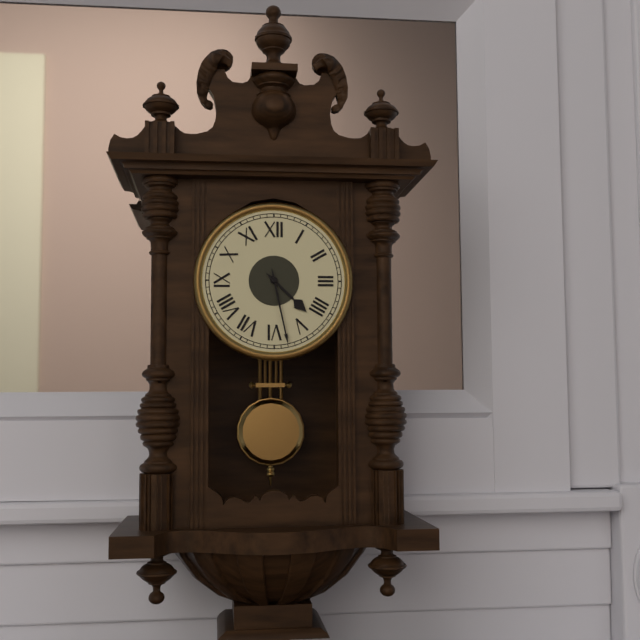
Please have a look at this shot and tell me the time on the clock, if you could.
4:28
